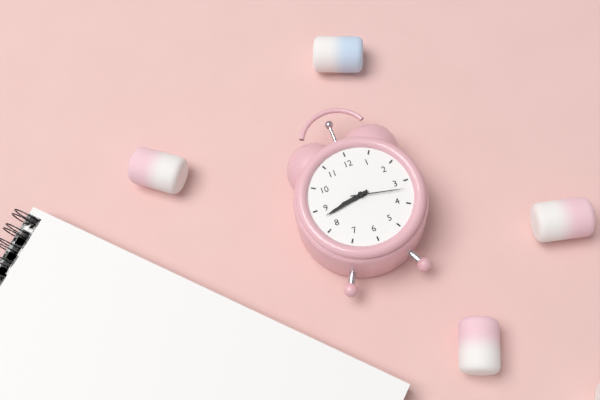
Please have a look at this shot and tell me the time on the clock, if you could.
8:43:17
